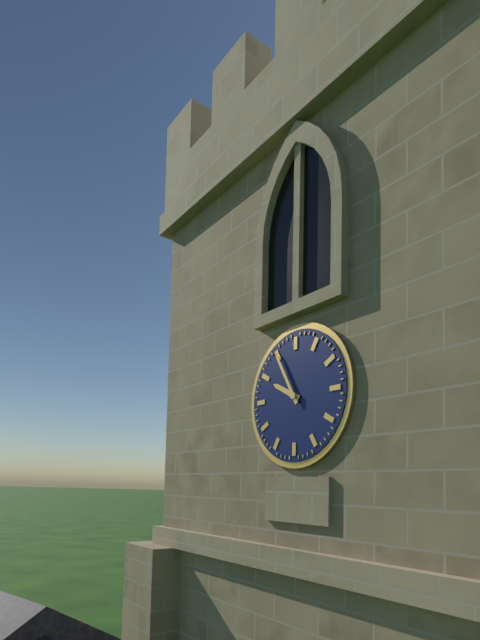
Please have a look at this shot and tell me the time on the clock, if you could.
9:55
